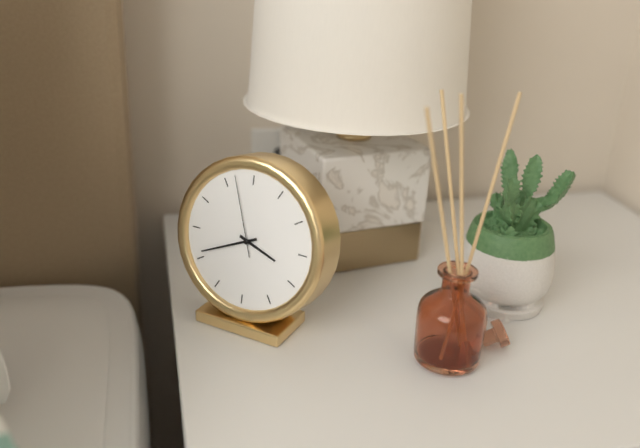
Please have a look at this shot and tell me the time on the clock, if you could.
3:41:57
